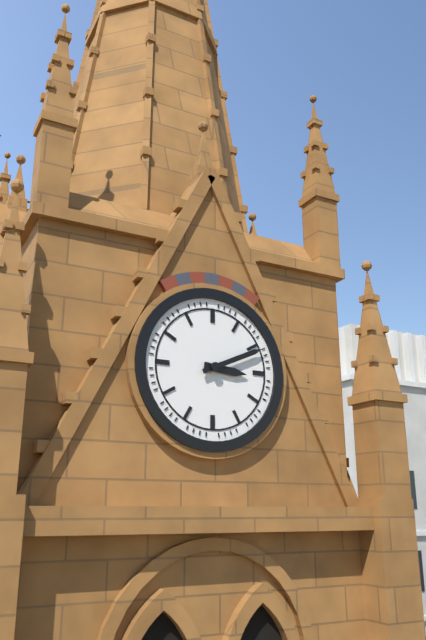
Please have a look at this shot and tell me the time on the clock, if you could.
3:11
